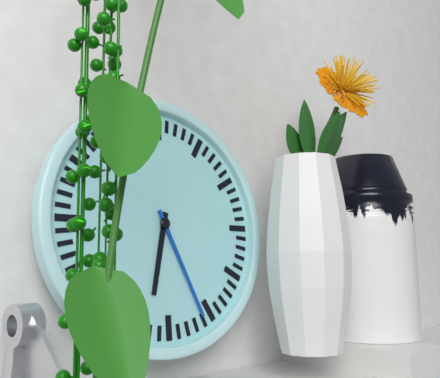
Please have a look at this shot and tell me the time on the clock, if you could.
6:26
